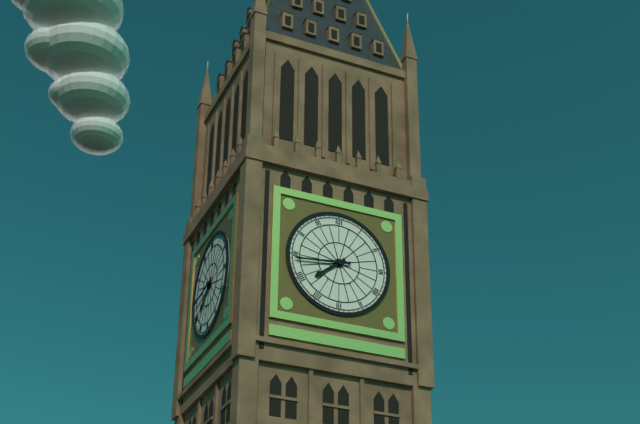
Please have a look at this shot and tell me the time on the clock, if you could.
7:44
